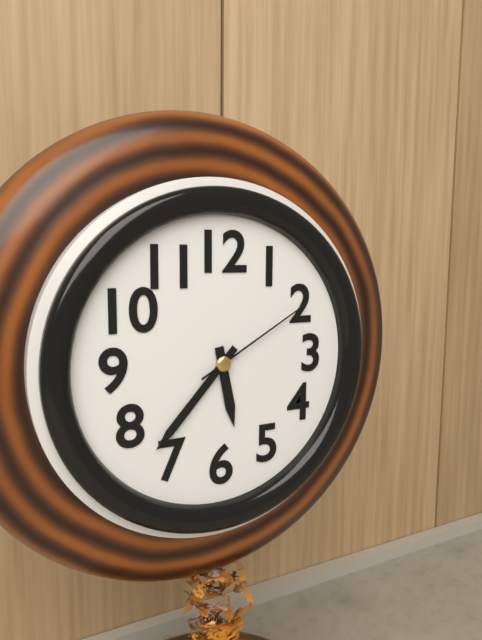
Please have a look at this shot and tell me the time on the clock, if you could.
5:37:10
